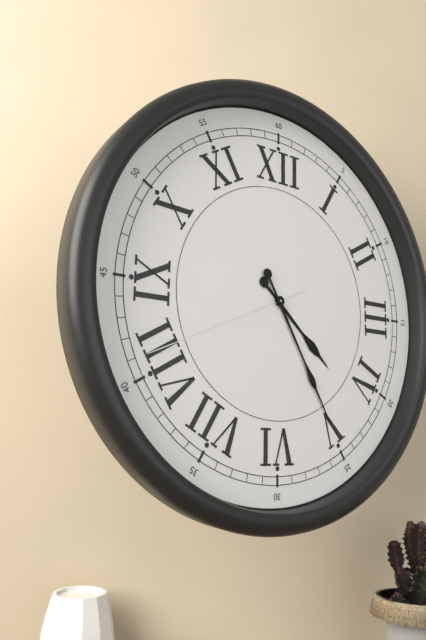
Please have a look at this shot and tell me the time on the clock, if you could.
4:25:41
